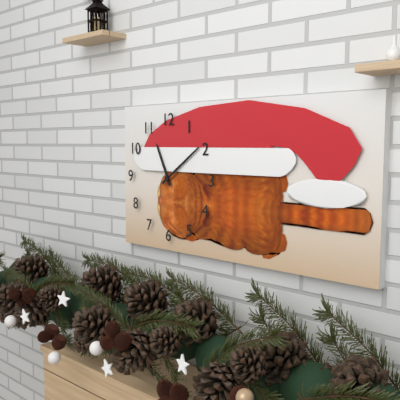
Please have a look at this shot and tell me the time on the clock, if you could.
11:09
